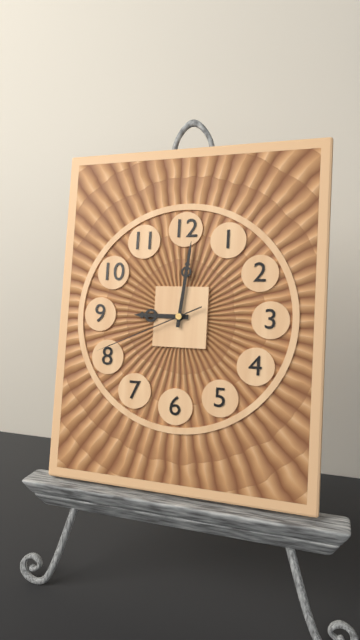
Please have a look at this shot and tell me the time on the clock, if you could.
9:01:41
